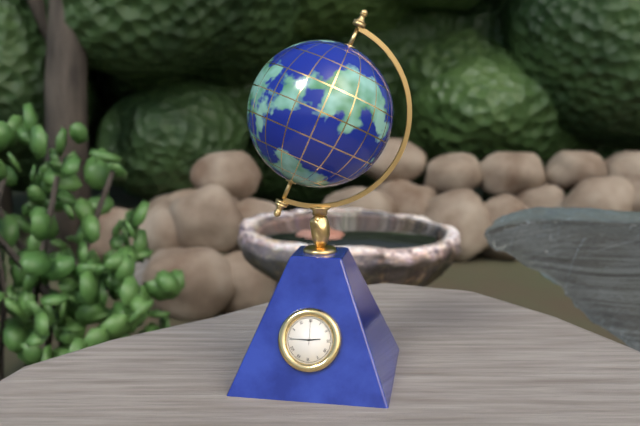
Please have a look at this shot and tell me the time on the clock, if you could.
2:45
